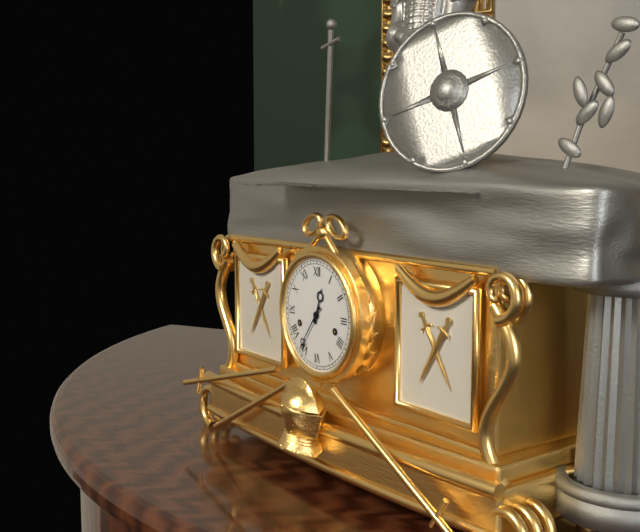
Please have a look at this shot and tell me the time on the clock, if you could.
12:36
